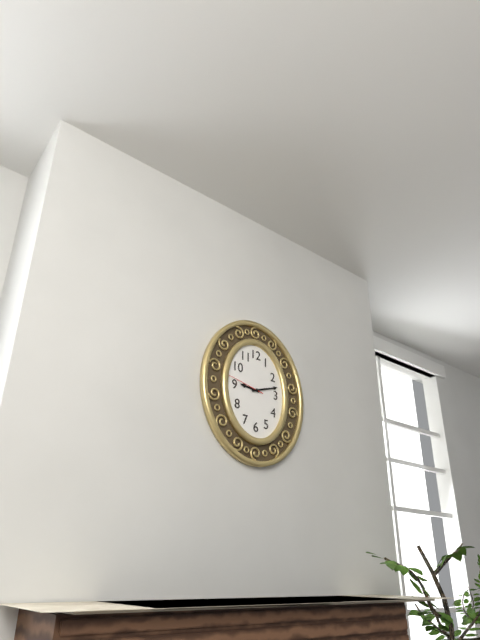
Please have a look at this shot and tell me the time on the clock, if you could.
9:12
